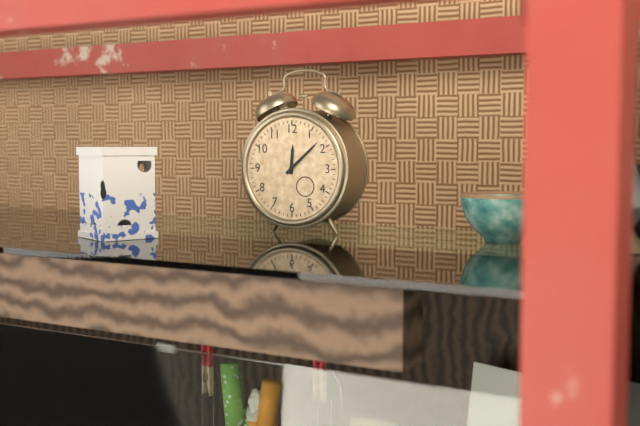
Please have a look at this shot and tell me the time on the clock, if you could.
12:08
